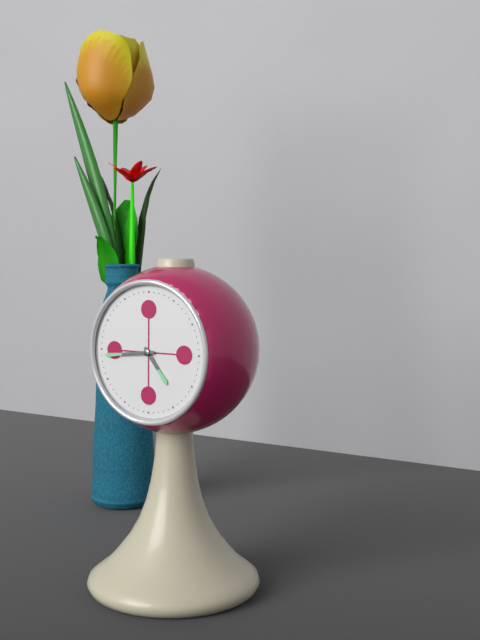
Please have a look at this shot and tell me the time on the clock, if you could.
4:44
